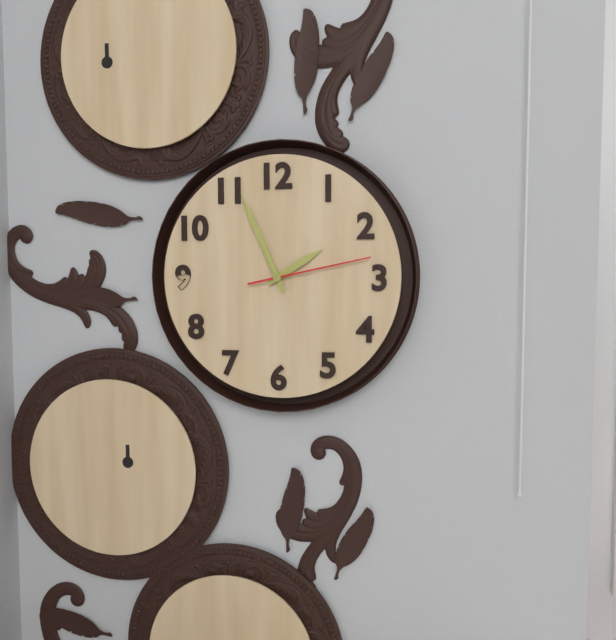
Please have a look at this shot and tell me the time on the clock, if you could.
1:56:13
